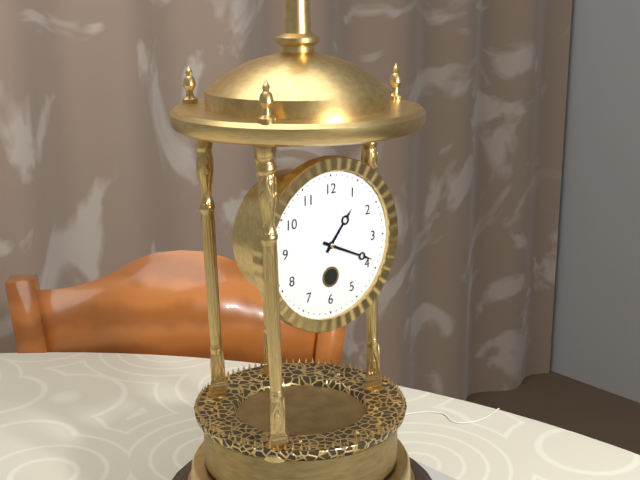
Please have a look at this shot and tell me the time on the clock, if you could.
1:19
